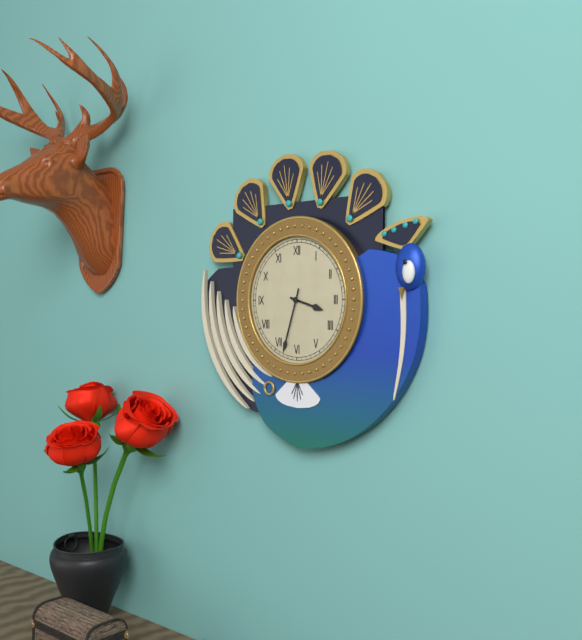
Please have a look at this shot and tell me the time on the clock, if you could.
3:33
